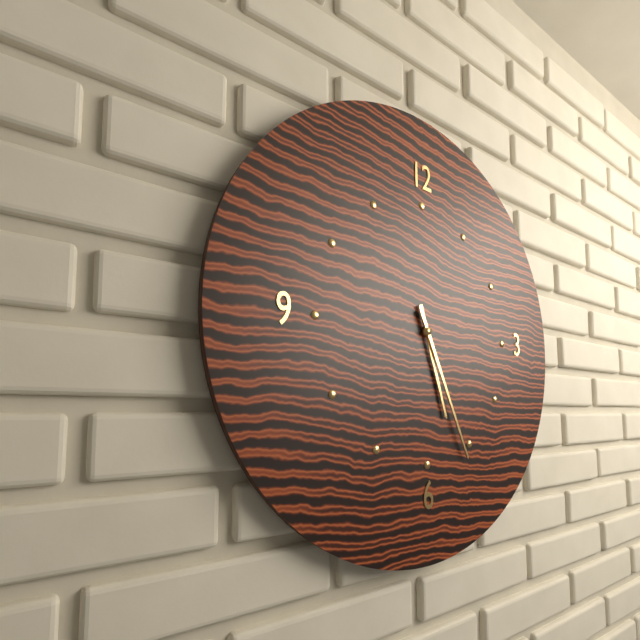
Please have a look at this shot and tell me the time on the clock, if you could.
5:26
